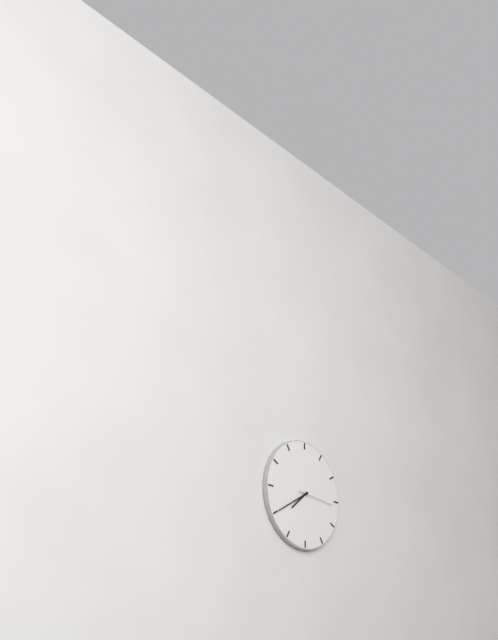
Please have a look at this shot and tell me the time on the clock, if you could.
7:40
